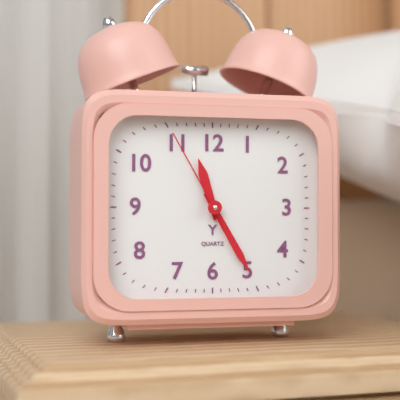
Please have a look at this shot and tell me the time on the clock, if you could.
11:25:55
